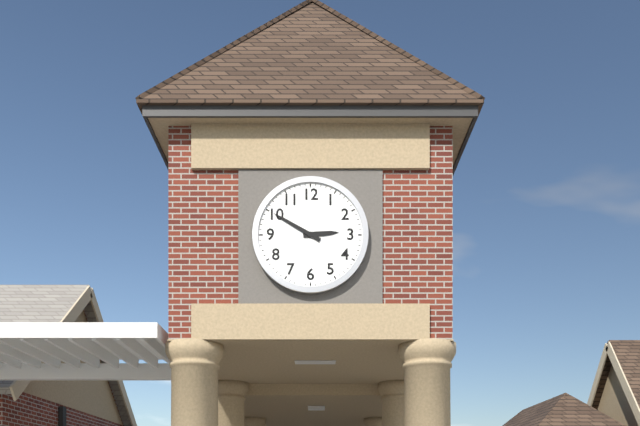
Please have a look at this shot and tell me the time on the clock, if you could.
2:50
